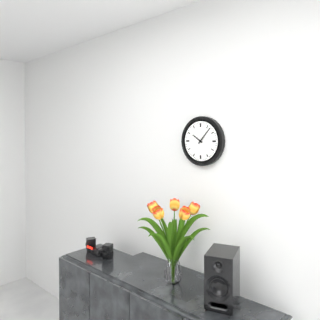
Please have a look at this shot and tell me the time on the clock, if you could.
10:07
